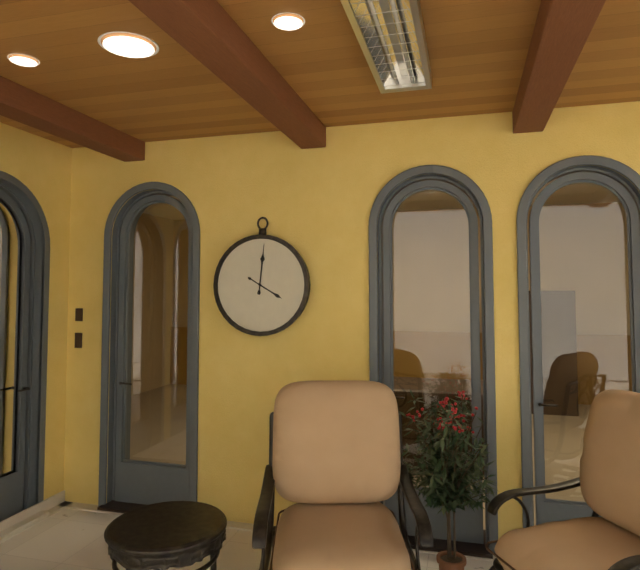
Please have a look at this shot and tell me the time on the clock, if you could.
4:01
